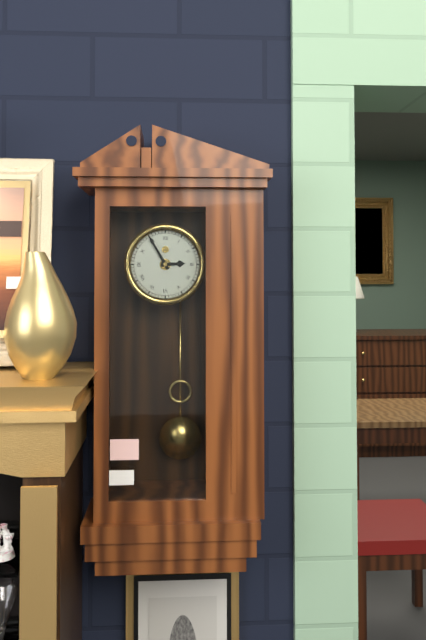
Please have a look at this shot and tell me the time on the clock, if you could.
2:55
